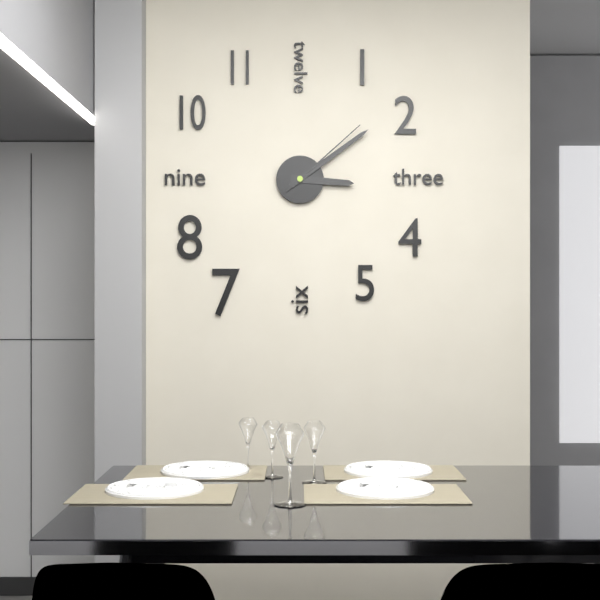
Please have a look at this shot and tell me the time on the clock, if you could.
3:09:08
